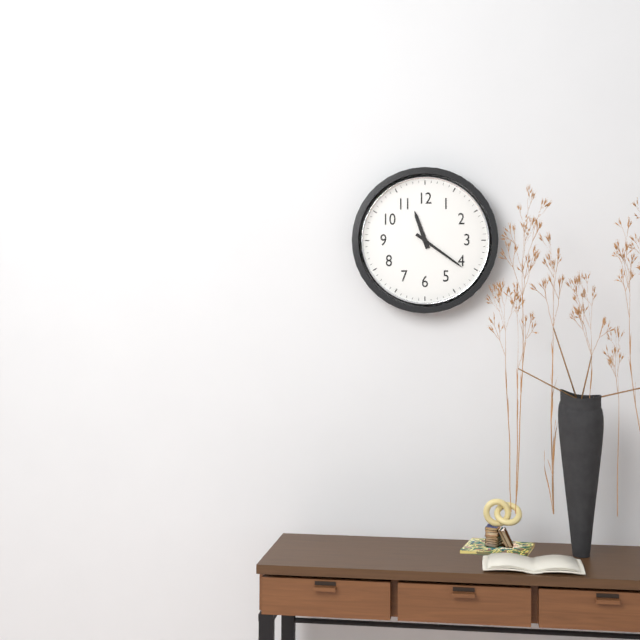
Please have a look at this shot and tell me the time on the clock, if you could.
11:21
